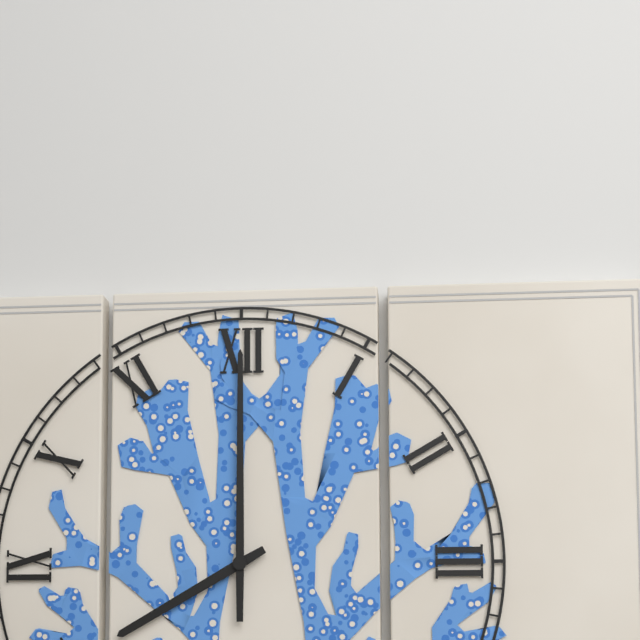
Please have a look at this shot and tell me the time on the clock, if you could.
8:00
